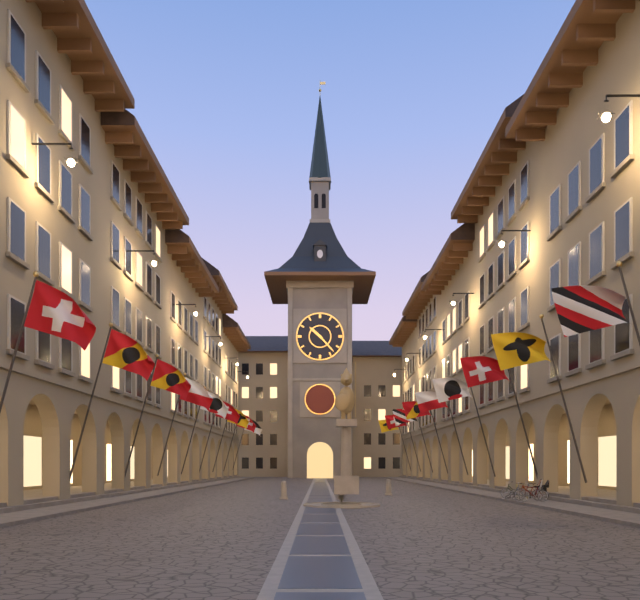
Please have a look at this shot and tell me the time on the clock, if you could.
10:23
